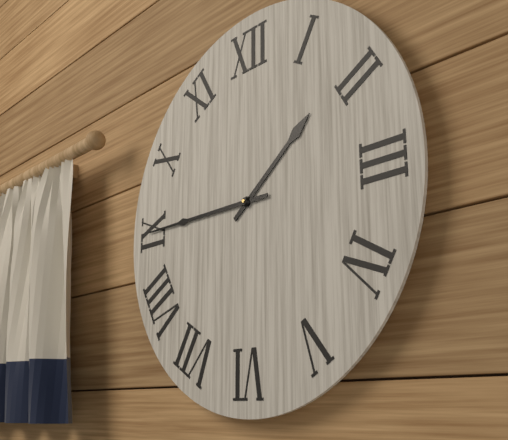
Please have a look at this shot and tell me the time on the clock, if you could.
1:45
